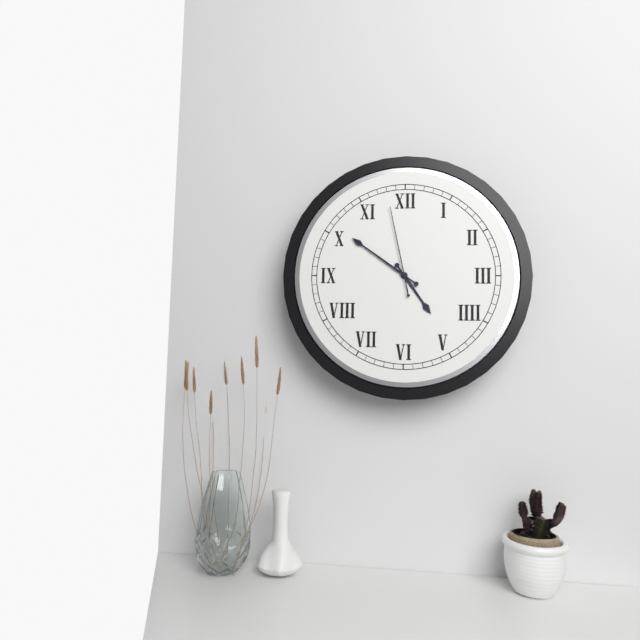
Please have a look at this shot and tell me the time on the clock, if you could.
4:51:58
